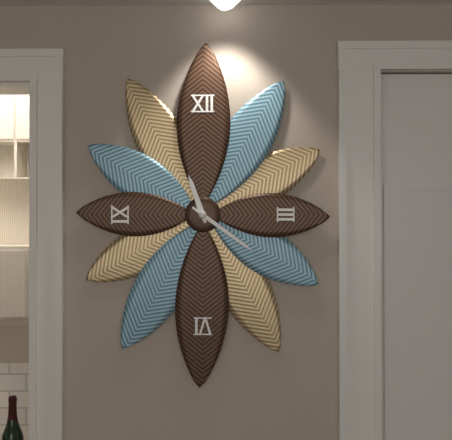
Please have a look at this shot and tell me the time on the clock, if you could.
11:21
